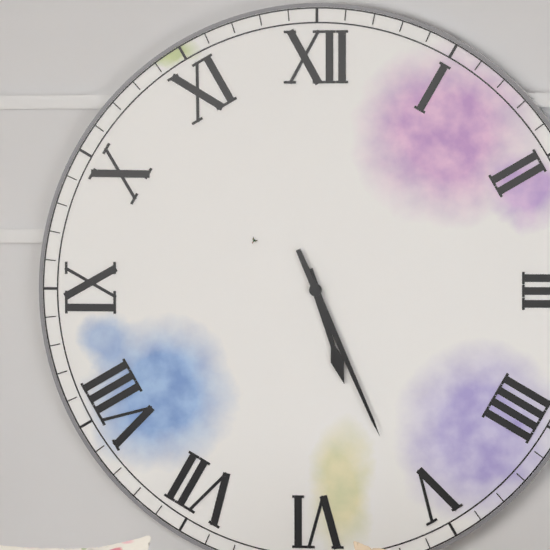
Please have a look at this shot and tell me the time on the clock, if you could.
5:26
